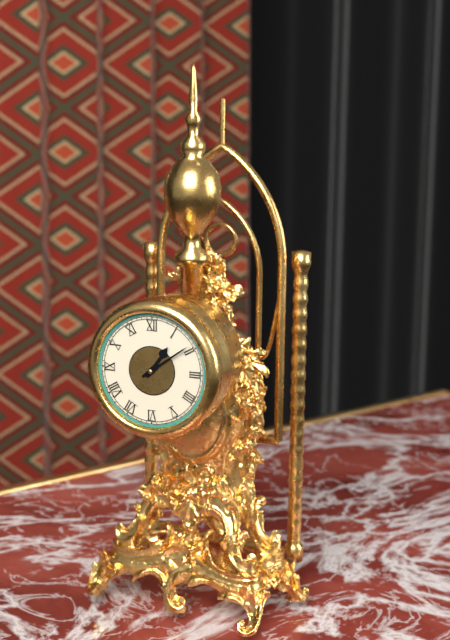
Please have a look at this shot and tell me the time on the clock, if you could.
1:09
